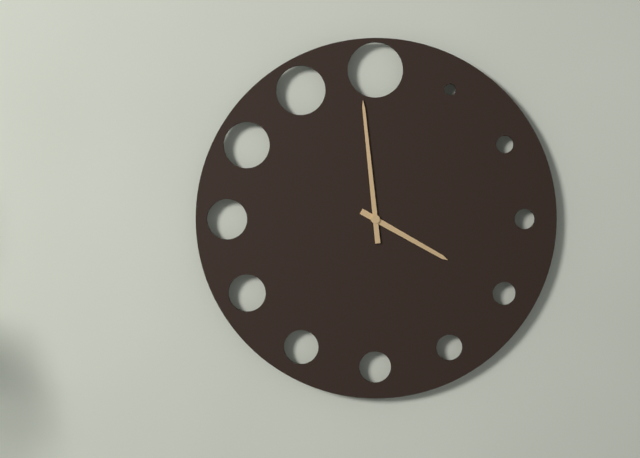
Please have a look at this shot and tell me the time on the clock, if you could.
3:59
